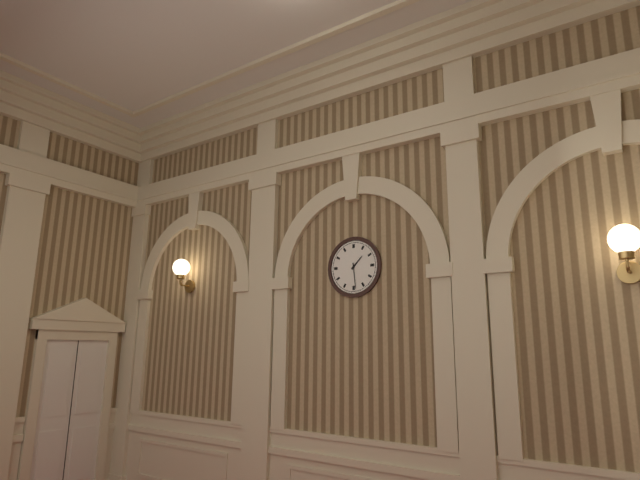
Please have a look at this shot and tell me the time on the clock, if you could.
1:29
